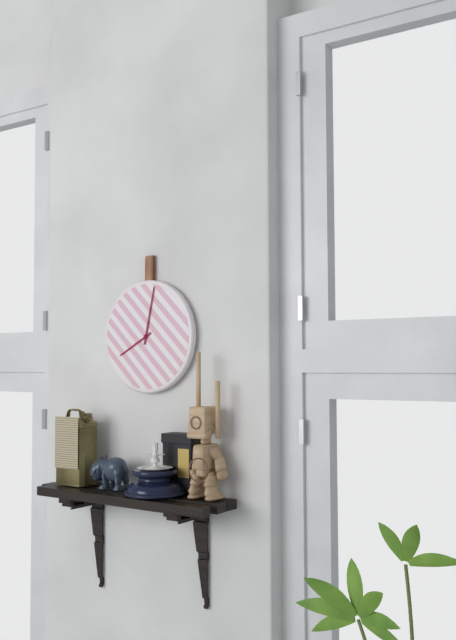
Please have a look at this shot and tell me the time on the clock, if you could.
8:02
